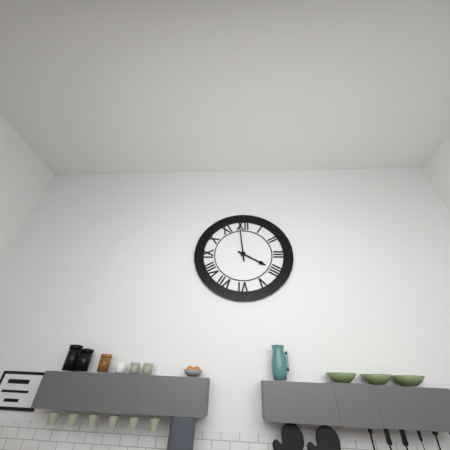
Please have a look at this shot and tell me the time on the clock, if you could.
3:59
